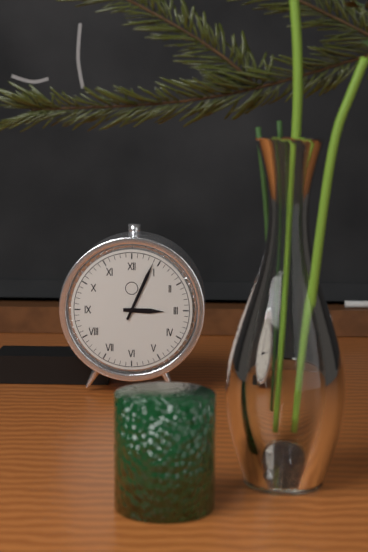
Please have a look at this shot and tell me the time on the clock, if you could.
3:04
